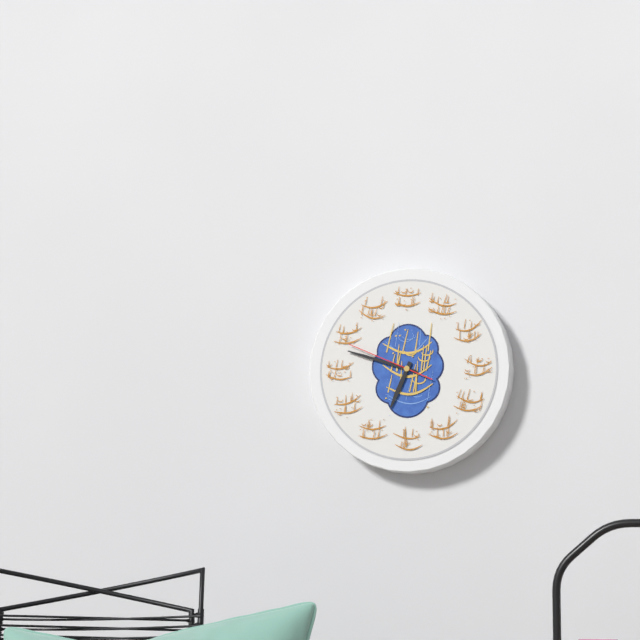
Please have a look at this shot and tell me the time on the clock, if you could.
6:48:49
